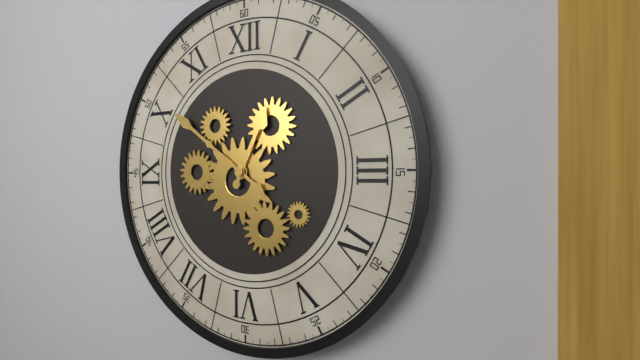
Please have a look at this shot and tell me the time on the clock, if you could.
12:51
